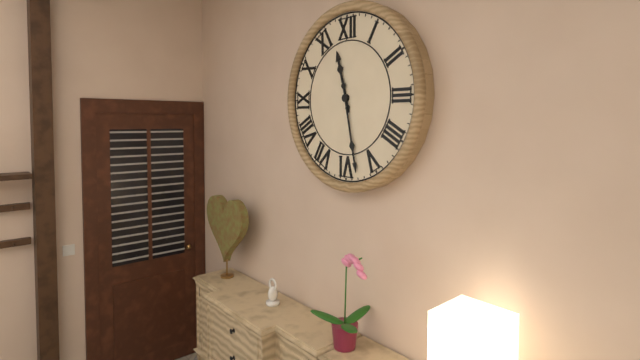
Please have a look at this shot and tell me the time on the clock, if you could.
11:28
